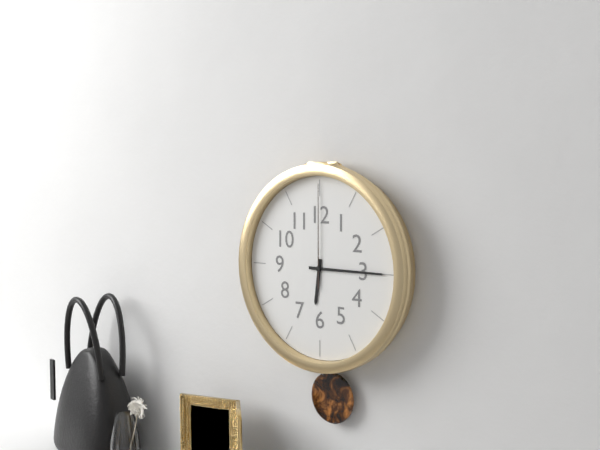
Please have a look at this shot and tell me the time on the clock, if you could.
6:15:00
